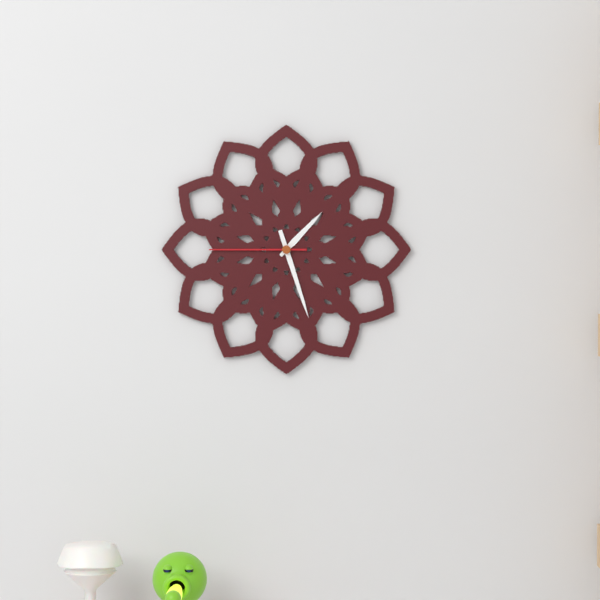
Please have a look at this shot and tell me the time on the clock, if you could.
1:27:45
